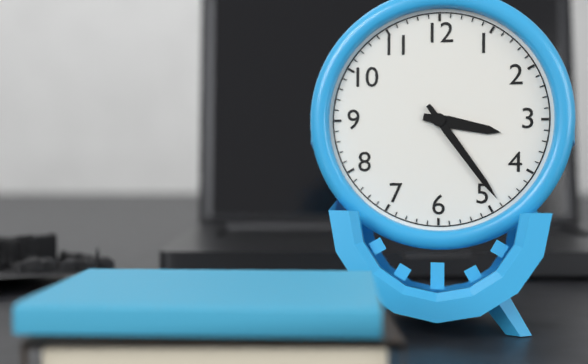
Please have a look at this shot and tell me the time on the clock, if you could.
3:24
